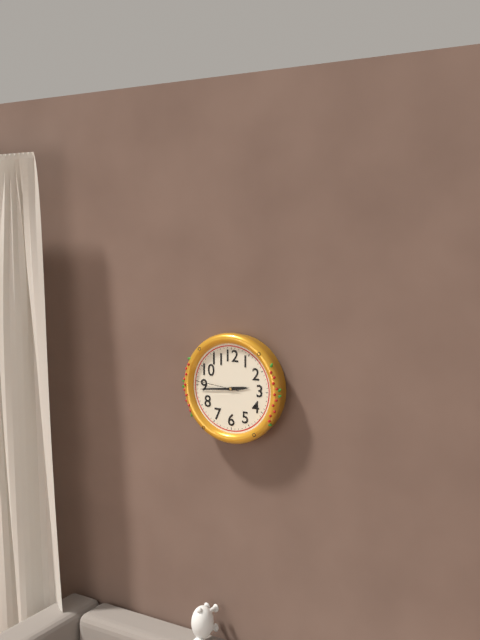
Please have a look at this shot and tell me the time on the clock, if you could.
2:44
